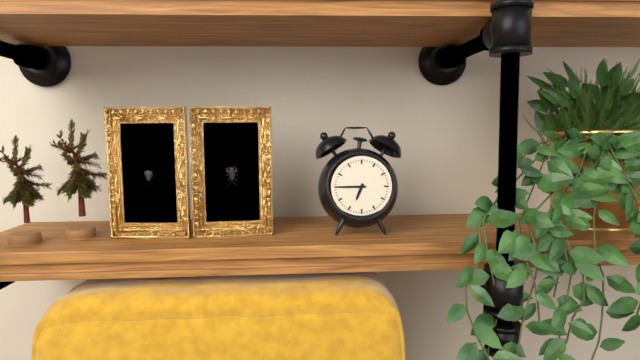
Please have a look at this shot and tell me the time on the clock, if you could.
6:45
